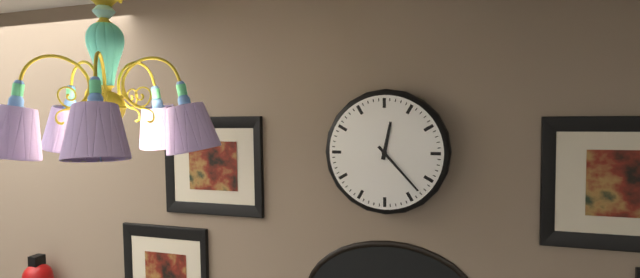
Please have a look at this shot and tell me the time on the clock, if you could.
12:23
